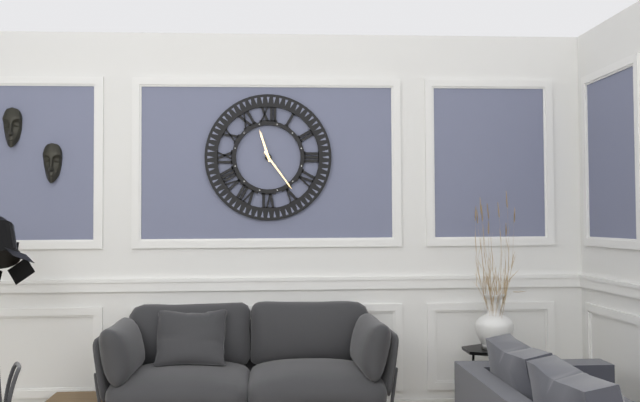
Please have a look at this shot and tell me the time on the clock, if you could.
11:24
